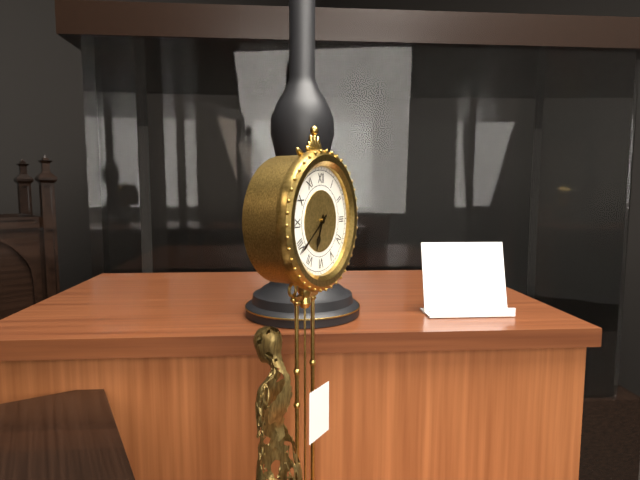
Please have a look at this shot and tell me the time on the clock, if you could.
6:39
